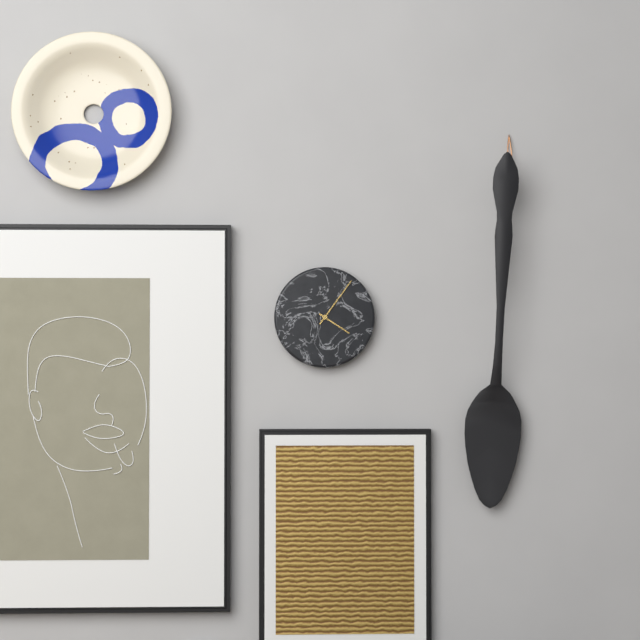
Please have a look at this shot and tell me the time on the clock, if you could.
4:06
